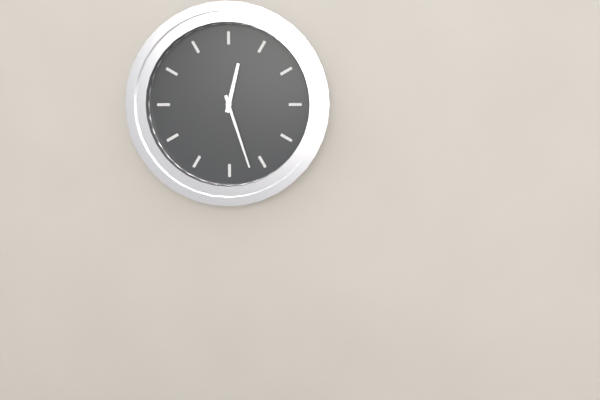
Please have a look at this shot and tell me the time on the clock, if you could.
12:27
